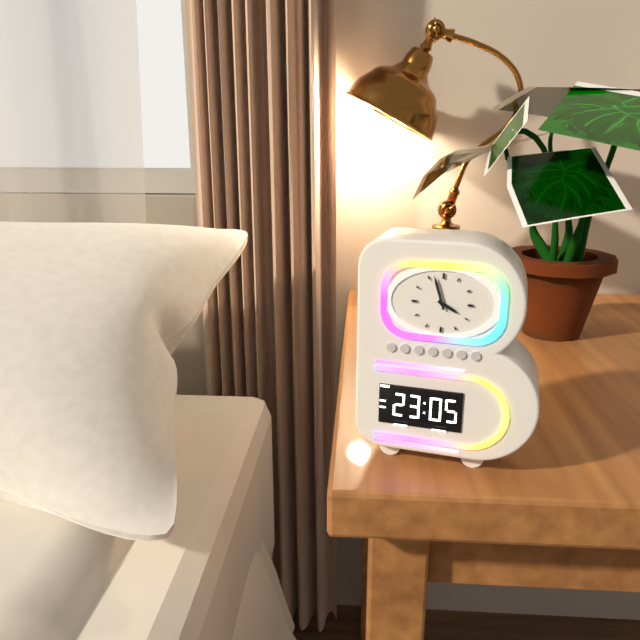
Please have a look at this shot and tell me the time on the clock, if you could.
3:57
